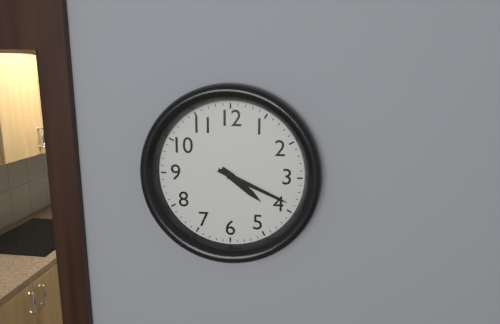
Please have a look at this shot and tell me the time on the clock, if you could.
4:19
